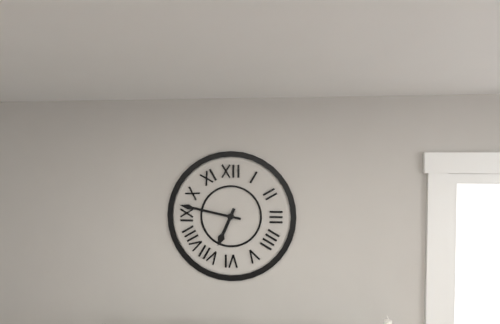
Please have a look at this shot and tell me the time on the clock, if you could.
6:47
